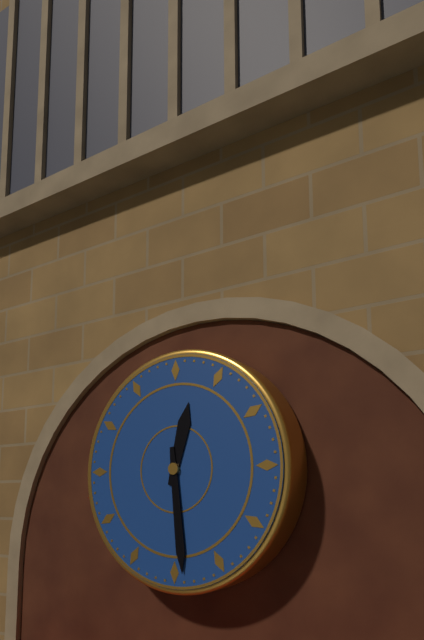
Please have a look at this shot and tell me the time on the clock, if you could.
12:29
